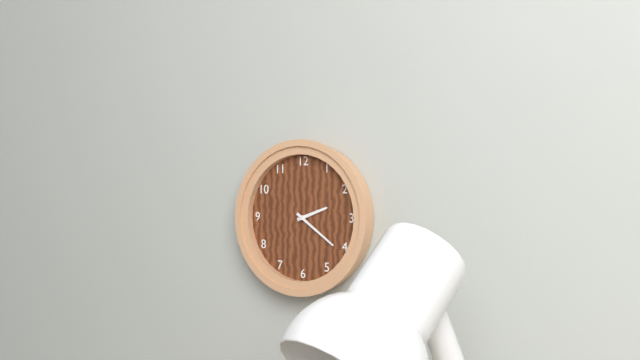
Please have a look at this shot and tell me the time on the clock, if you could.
2:21
